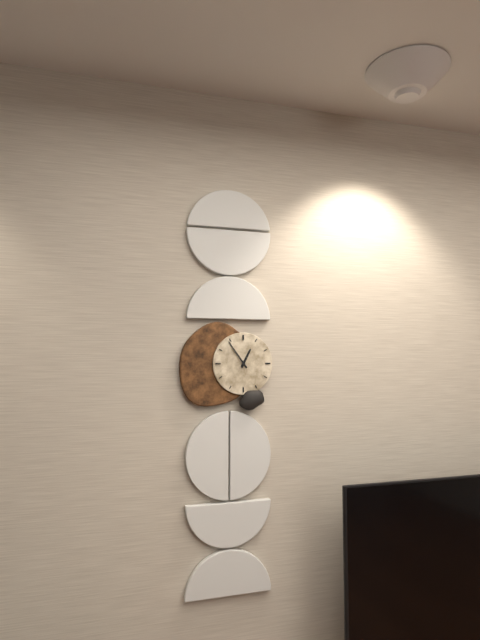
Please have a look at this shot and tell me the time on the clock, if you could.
12:54
